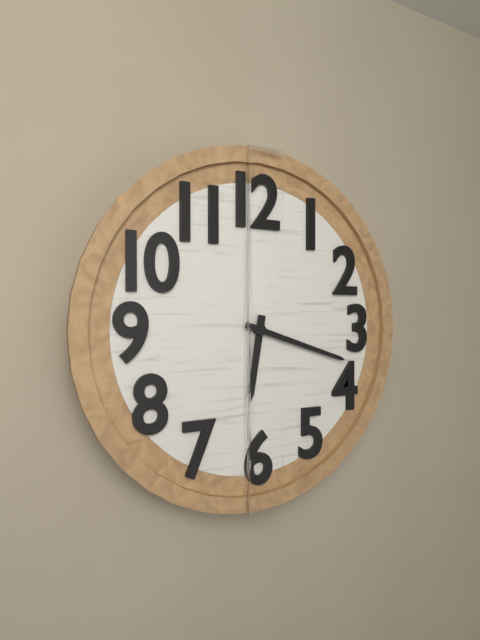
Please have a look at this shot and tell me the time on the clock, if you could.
6:18
